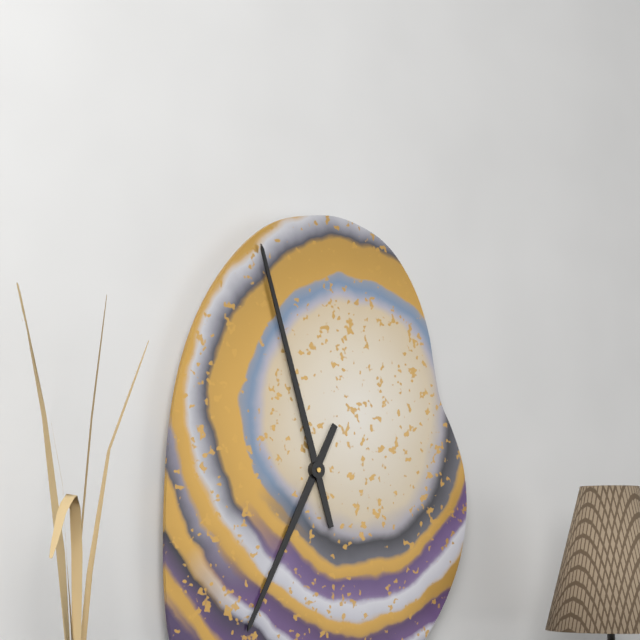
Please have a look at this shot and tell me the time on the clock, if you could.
6:57
